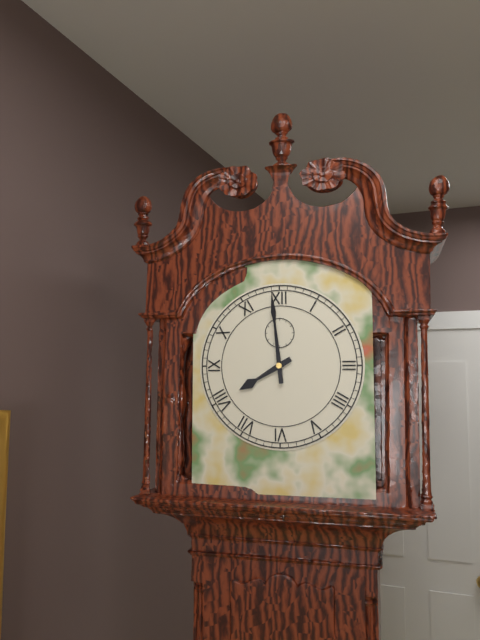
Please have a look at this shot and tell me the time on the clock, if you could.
7:59
